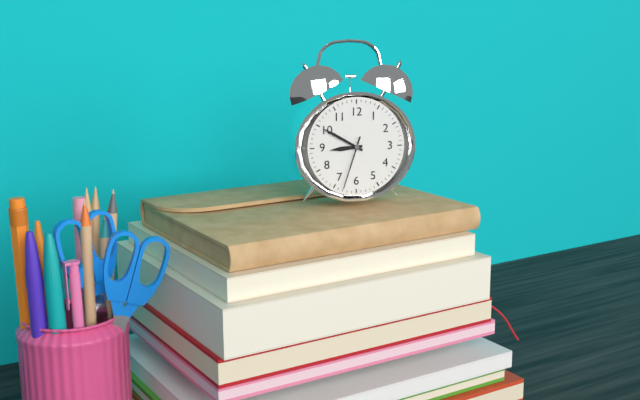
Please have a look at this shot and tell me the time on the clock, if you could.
8:50:33
